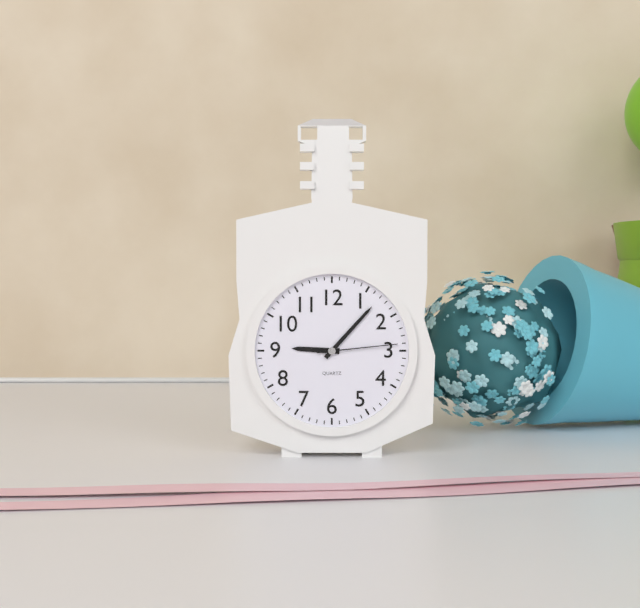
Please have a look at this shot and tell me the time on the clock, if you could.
9:07:14
